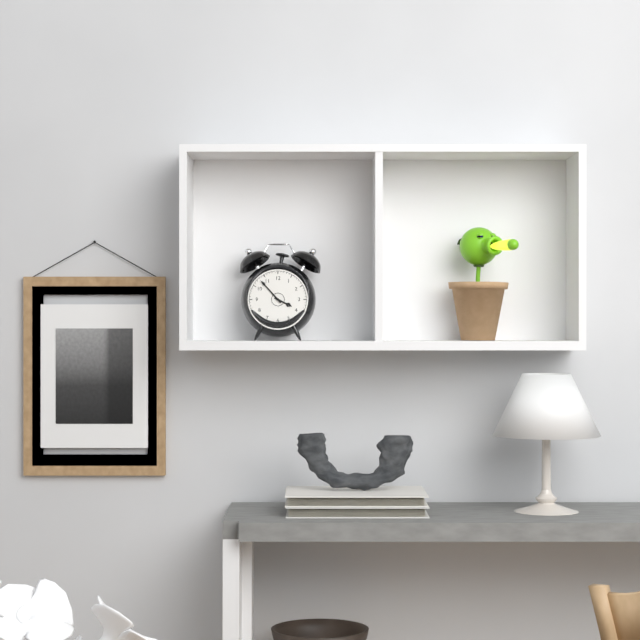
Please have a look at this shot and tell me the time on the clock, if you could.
3:53
